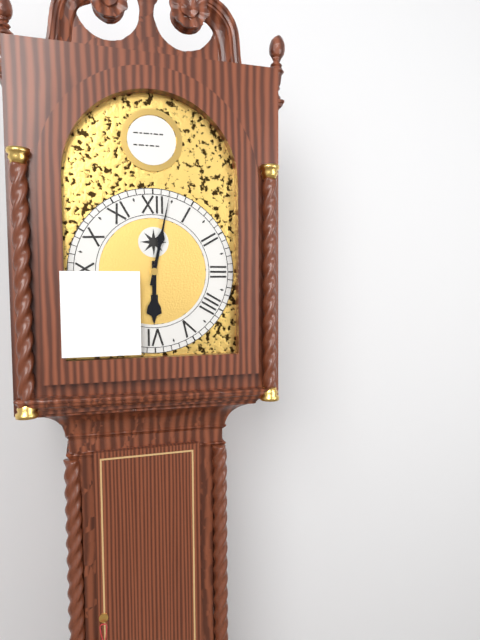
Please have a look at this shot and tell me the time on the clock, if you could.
6:02
